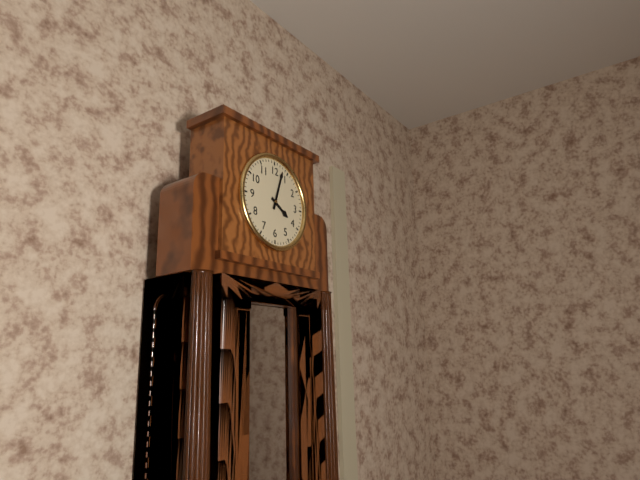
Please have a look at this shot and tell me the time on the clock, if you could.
4:03
